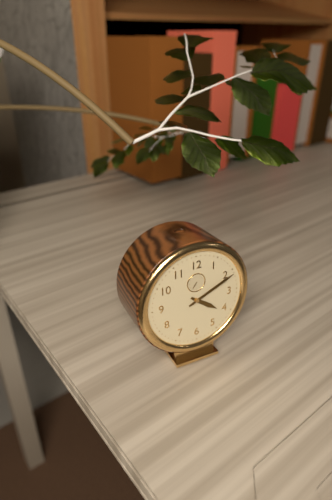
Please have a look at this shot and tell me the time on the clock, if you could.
4:11
